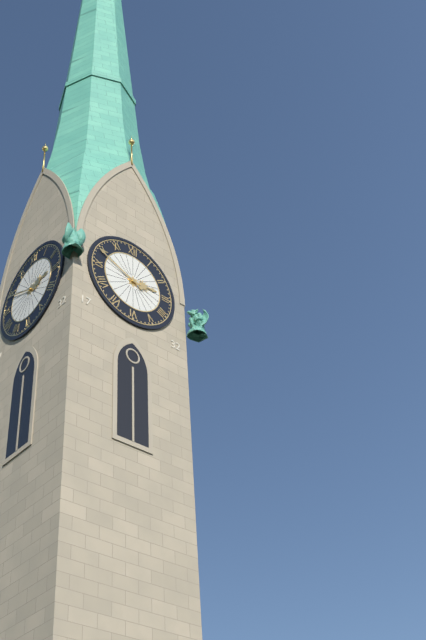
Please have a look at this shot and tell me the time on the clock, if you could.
2:49
